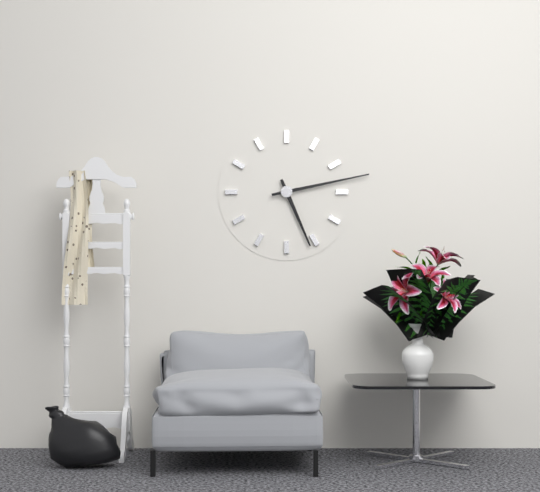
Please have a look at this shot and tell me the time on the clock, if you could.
5:13
